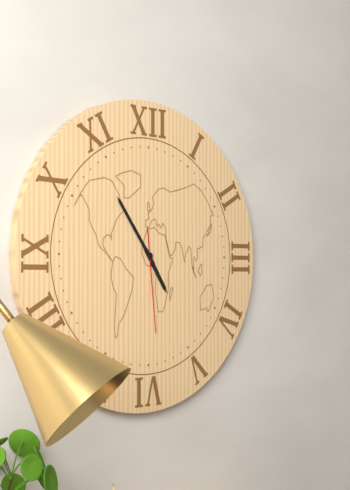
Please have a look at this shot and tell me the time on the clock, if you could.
4:54:29
